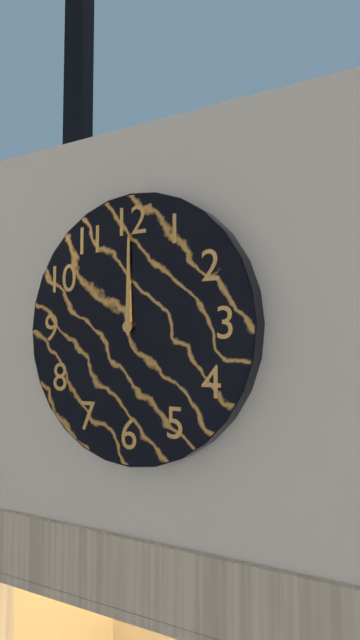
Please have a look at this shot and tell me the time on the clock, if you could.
12:00
